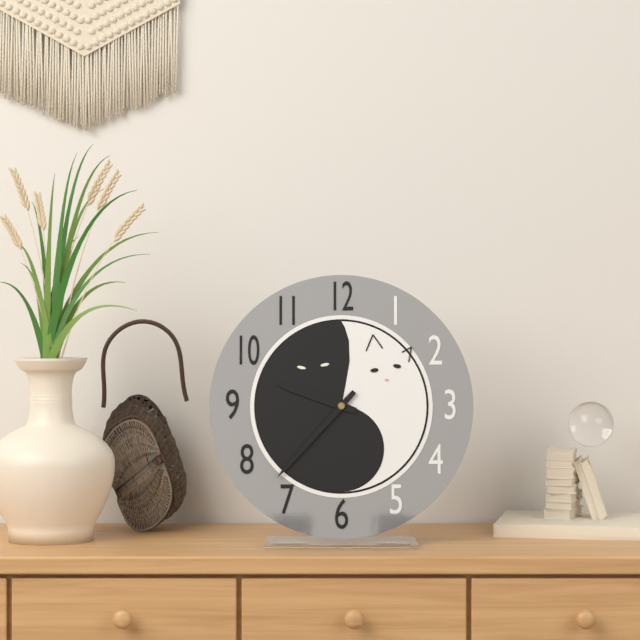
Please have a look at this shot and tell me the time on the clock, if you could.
9:37
